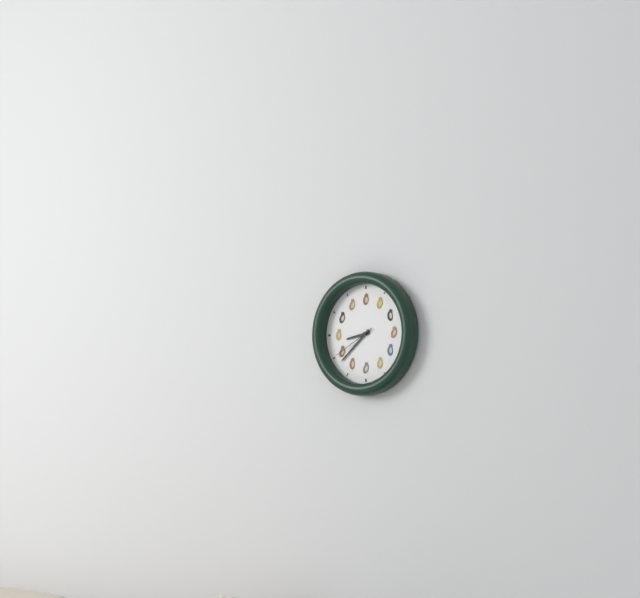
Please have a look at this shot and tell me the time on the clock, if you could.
8:38
